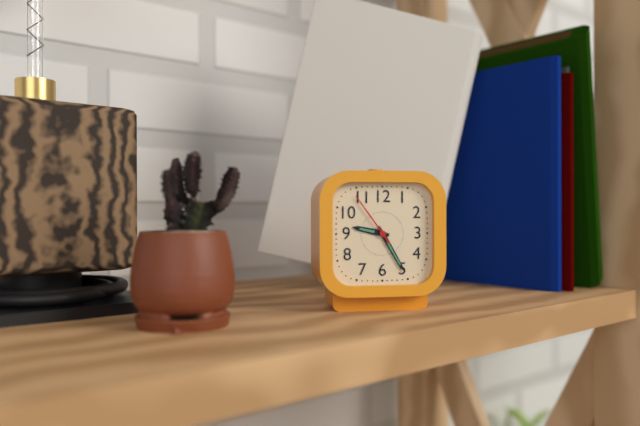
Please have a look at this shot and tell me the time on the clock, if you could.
9:25:54
